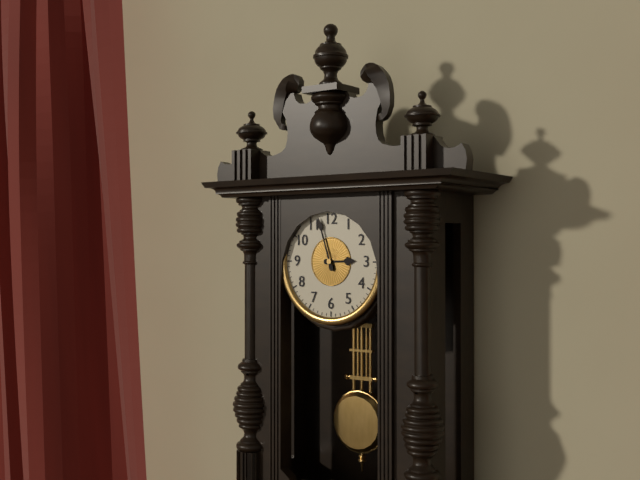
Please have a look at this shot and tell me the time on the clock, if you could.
2:57
